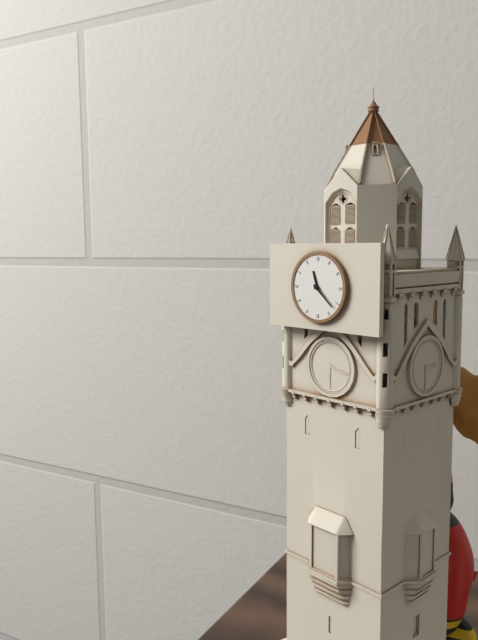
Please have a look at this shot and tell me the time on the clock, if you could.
11:22
